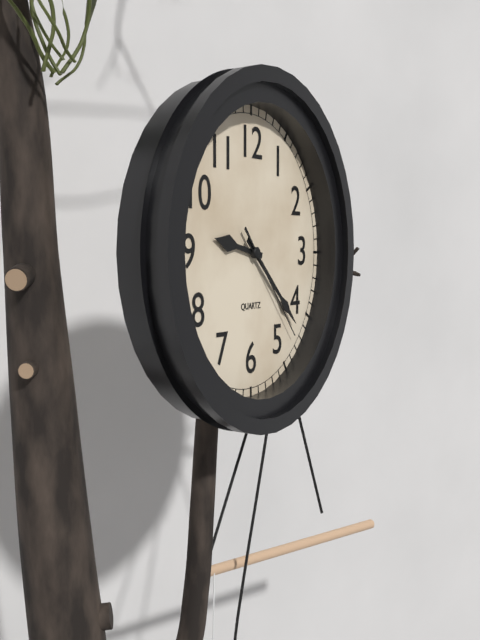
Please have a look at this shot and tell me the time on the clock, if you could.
9:22:23
